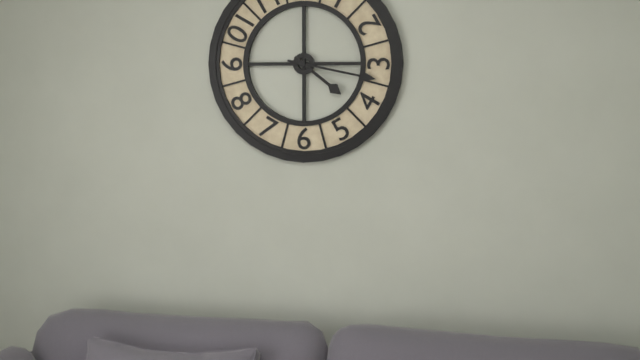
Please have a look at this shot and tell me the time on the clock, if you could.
4:17
